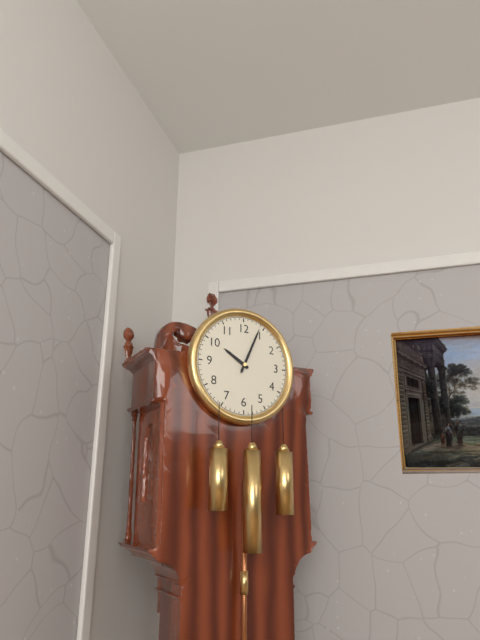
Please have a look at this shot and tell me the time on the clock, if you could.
10:04
